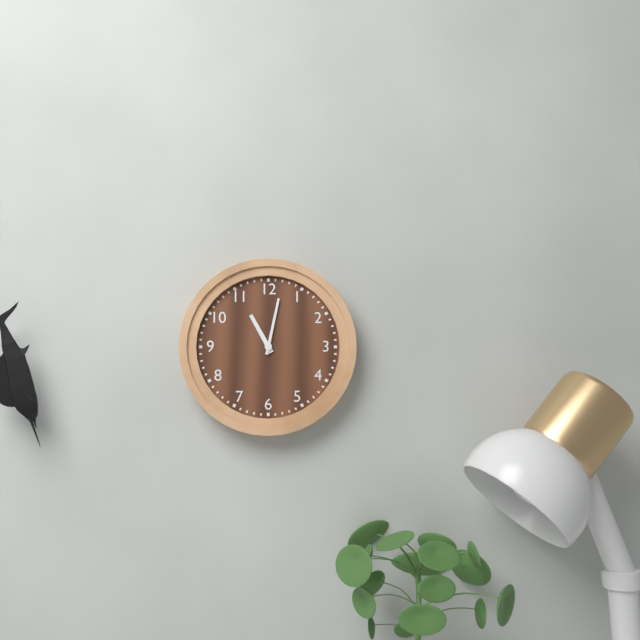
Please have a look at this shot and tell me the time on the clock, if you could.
11:02
